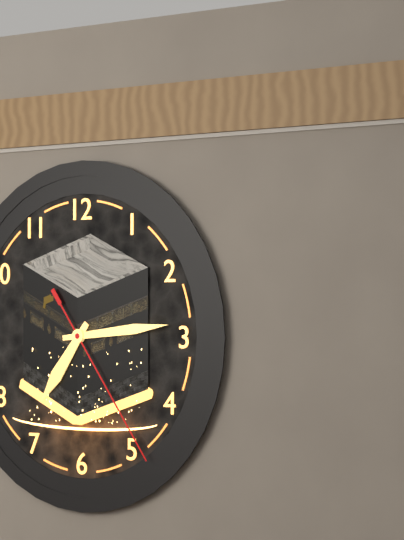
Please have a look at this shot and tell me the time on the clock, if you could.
7:14:24
